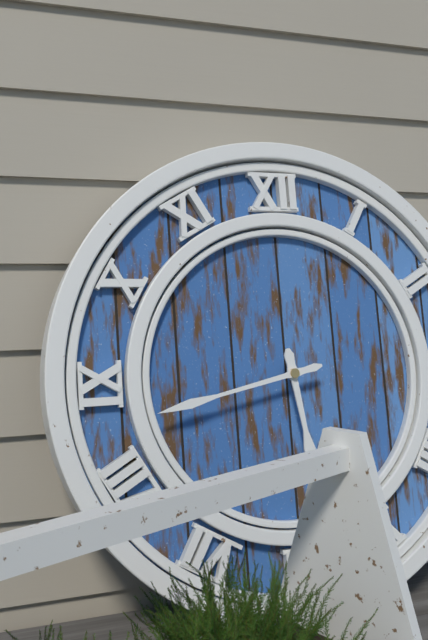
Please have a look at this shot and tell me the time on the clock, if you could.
5:43
